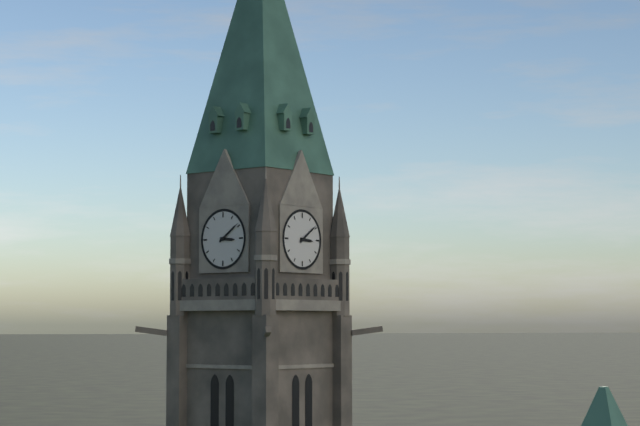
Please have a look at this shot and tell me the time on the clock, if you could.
3:09
